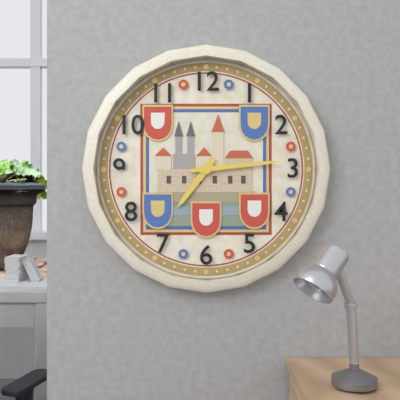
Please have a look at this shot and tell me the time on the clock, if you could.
7:14
